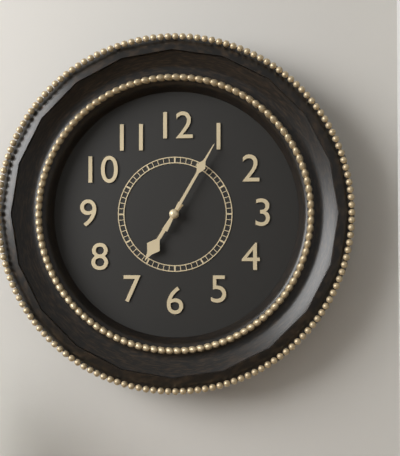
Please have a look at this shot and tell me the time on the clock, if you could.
7:05
